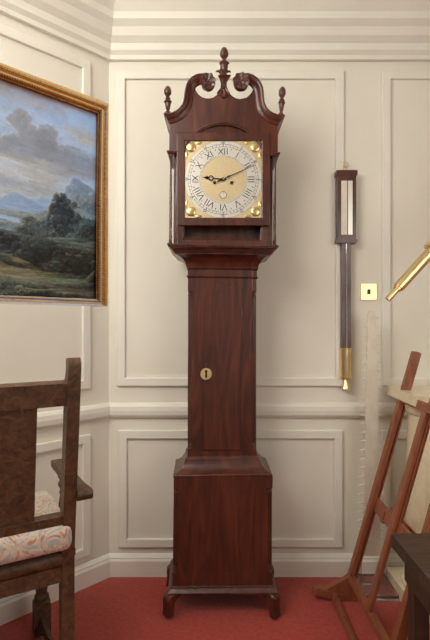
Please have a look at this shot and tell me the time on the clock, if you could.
9:11
